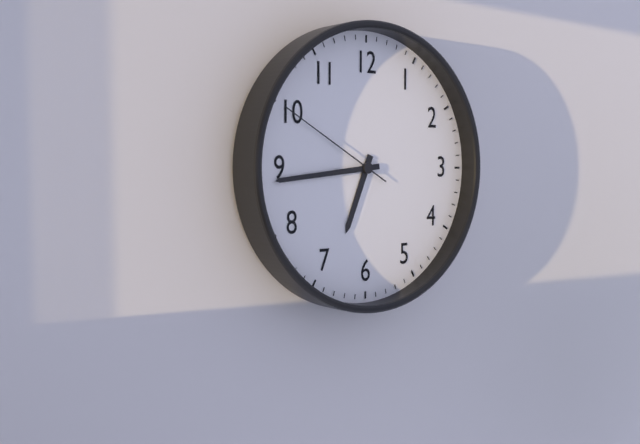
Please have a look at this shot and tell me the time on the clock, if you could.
6:44:50
